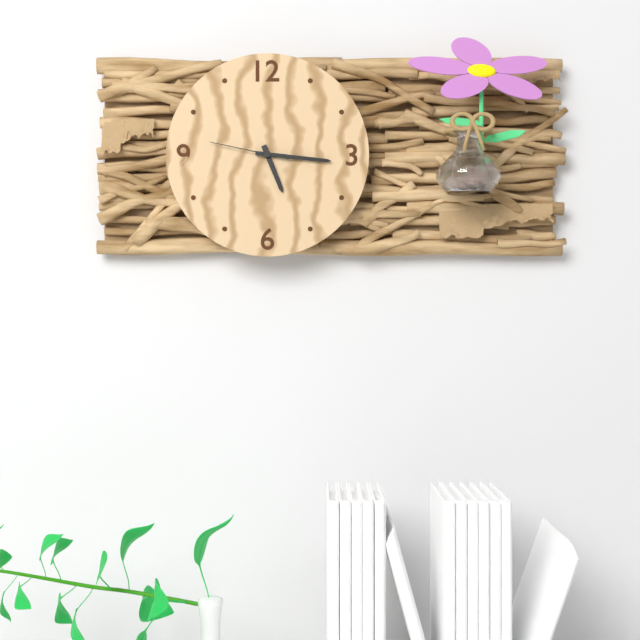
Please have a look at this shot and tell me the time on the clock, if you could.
5:16:47
